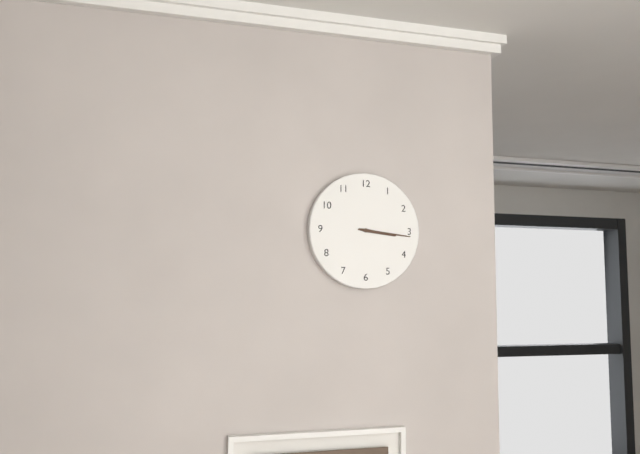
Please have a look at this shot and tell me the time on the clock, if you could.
3:16
